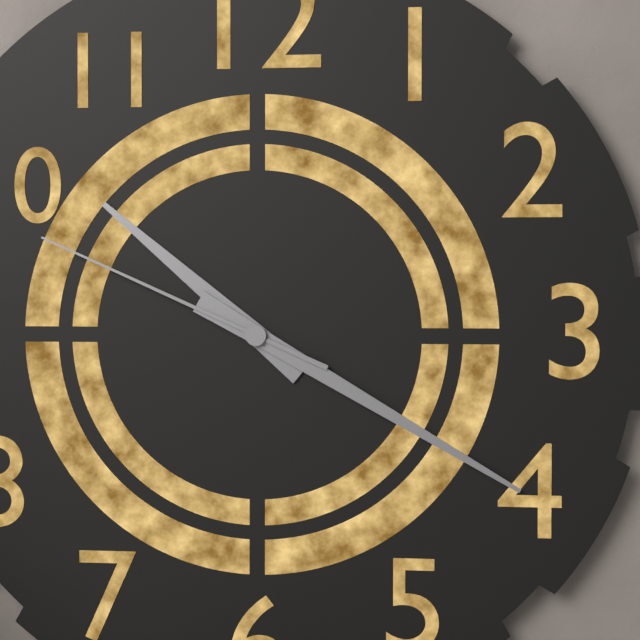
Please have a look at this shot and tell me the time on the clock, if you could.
10:20:49
